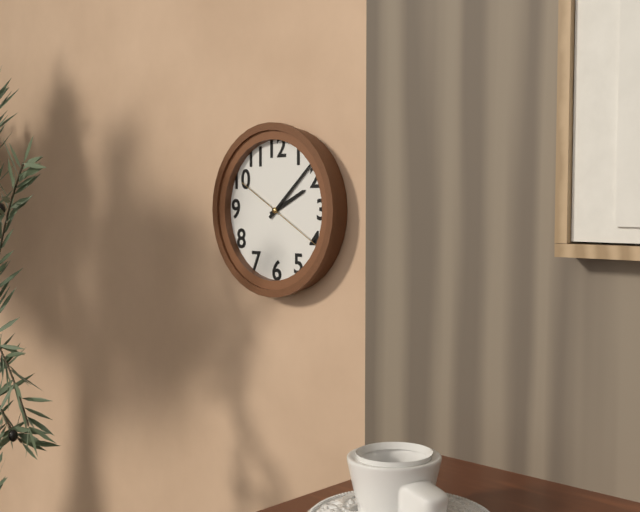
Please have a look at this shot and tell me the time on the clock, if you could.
2:08:20
